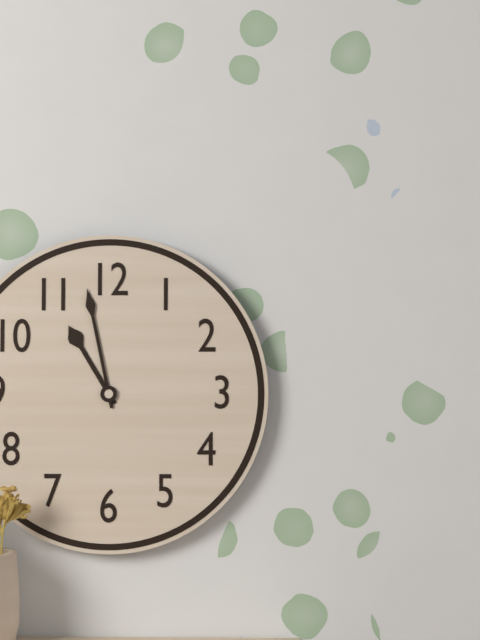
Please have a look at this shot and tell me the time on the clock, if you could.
10:58
